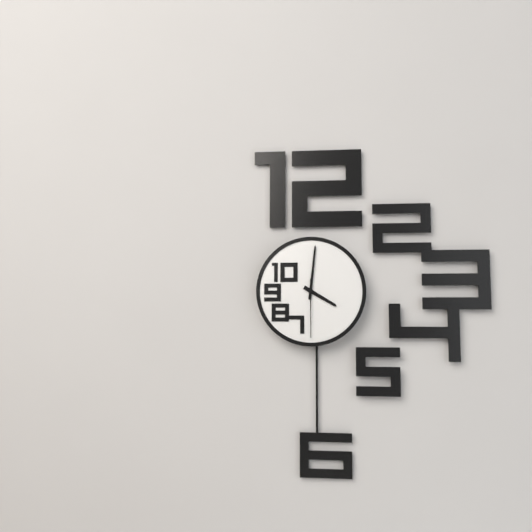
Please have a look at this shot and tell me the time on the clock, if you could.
4:01:30
